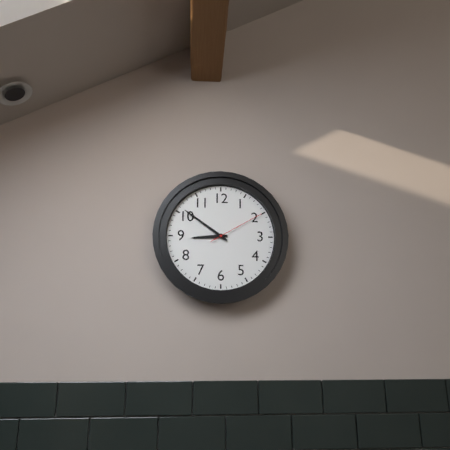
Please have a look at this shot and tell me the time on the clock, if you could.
8:51:10
